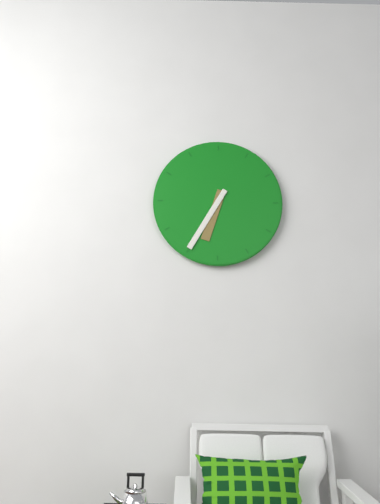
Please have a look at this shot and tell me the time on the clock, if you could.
6:35
